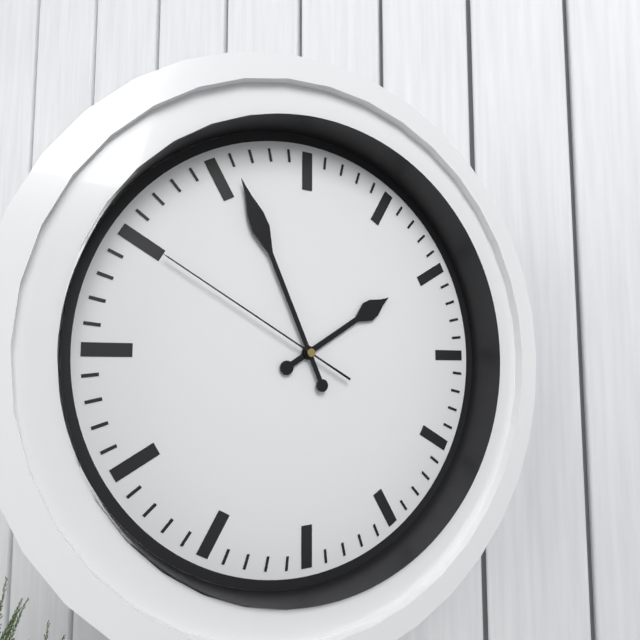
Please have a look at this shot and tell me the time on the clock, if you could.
1:56:50
